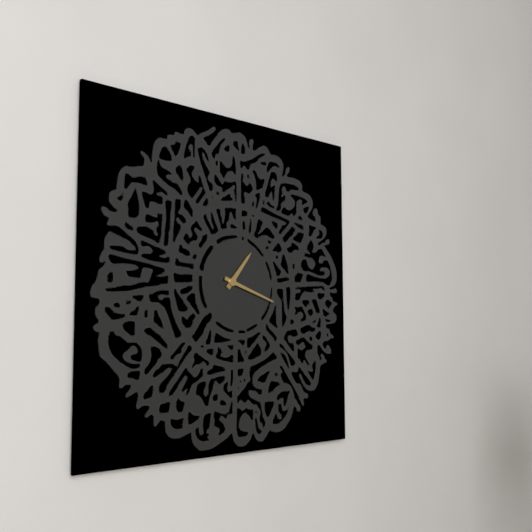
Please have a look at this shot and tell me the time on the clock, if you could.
1:18
